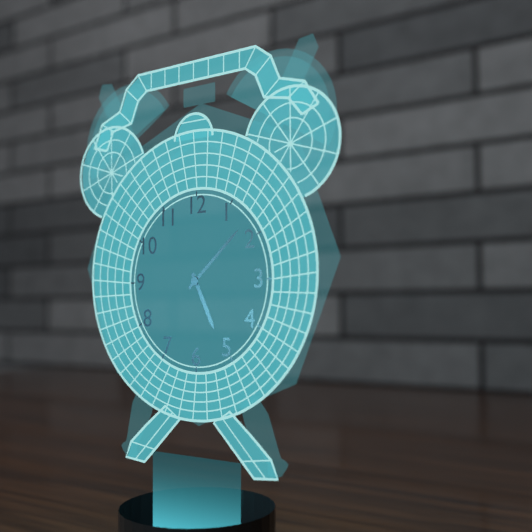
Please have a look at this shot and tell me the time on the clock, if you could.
5:08
